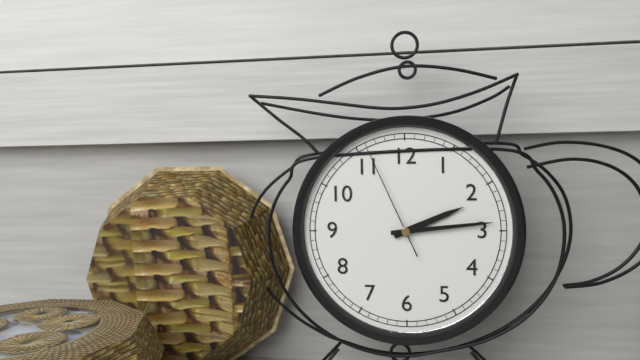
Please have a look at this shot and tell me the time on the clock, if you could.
2:14:56
